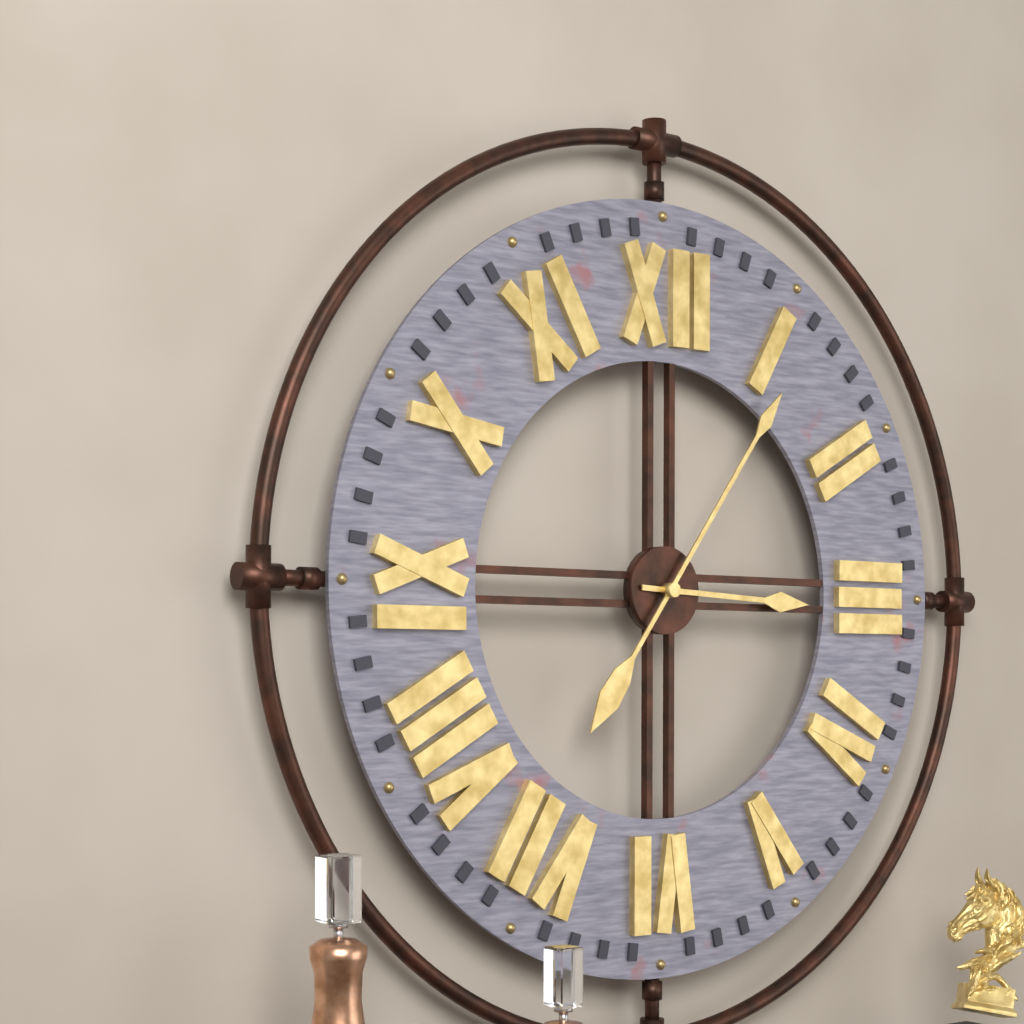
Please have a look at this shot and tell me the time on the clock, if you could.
3:06
